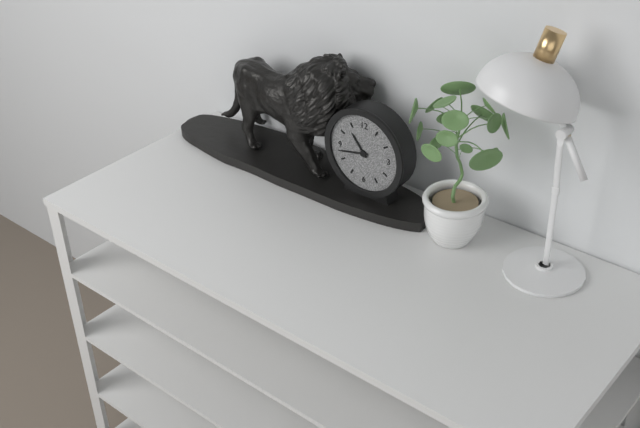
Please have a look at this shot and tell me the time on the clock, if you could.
10:43
